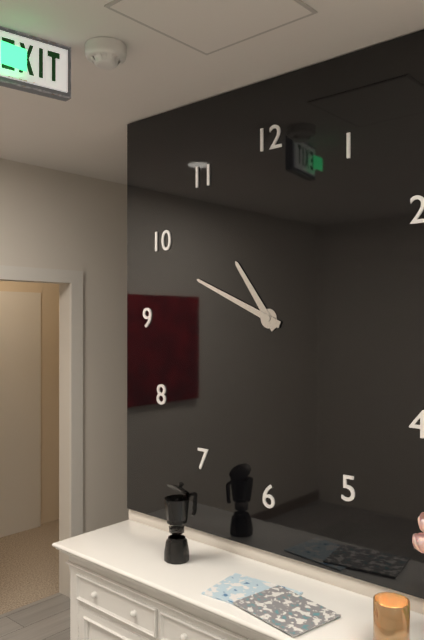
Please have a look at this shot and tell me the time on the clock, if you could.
10:49
